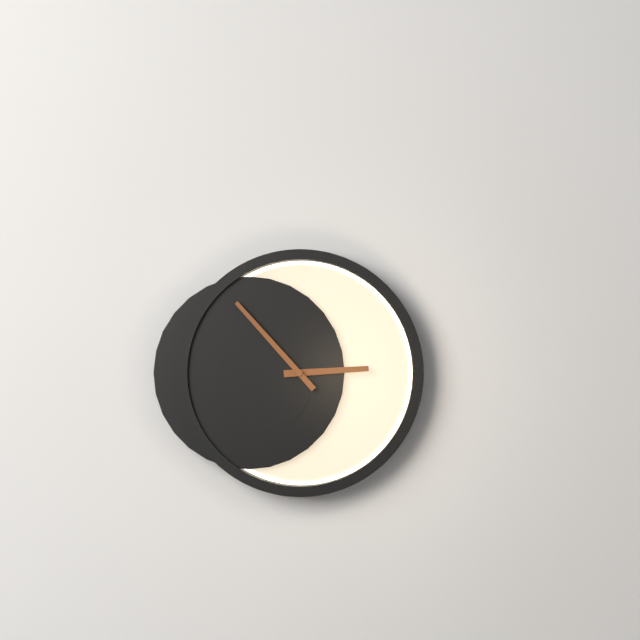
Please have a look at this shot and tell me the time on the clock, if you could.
2:53
